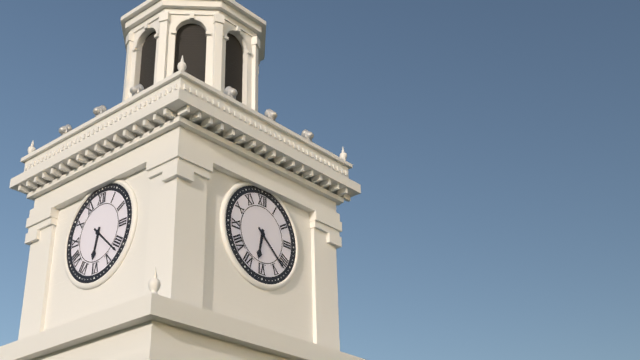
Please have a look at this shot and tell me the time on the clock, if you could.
6:22
